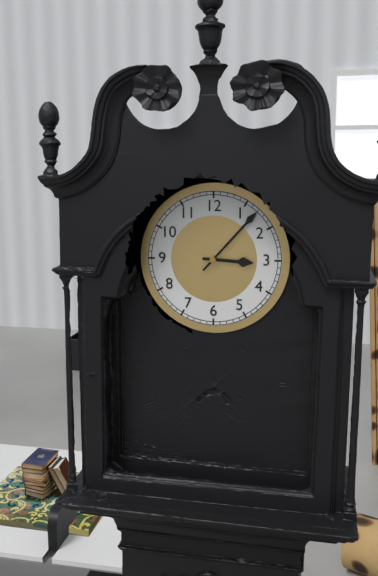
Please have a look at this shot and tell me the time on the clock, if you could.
3:07
